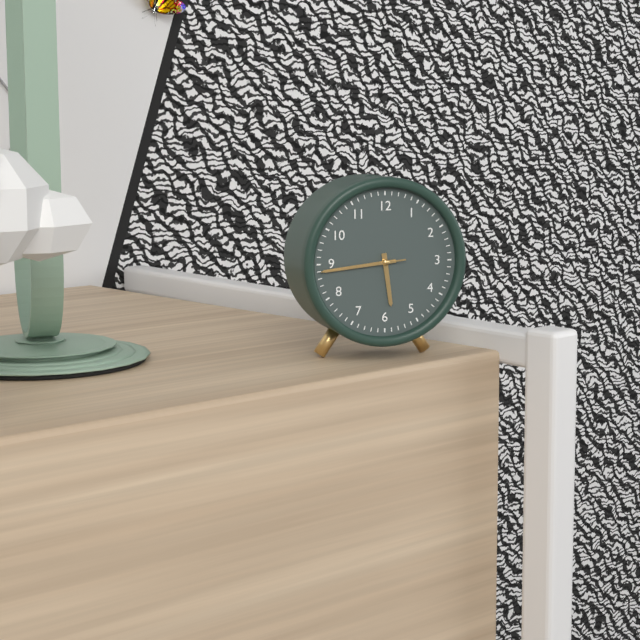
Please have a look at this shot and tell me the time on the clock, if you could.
5:44:44
